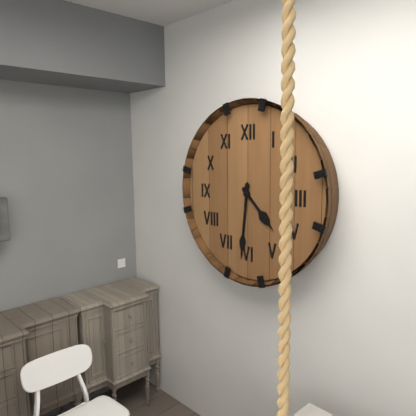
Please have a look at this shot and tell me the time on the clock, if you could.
4:31
